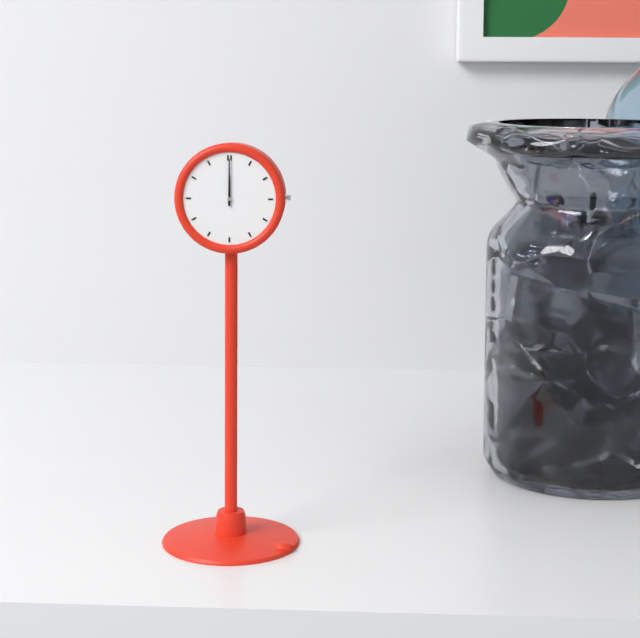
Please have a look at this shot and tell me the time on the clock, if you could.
12:00
